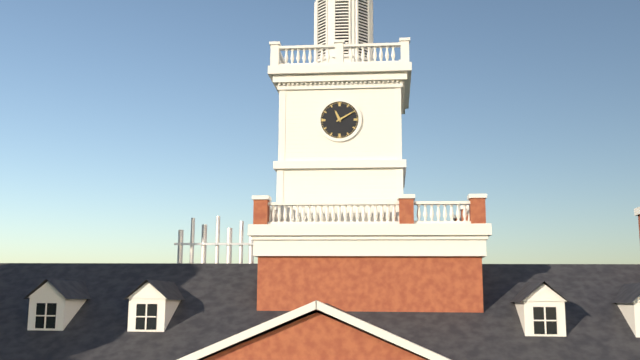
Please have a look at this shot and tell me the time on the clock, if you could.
11:10
